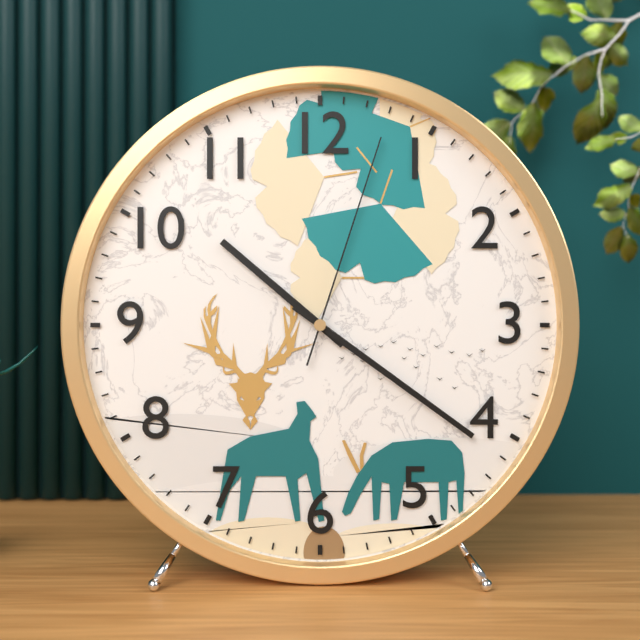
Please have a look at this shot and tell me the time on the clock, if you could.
10:21:03
